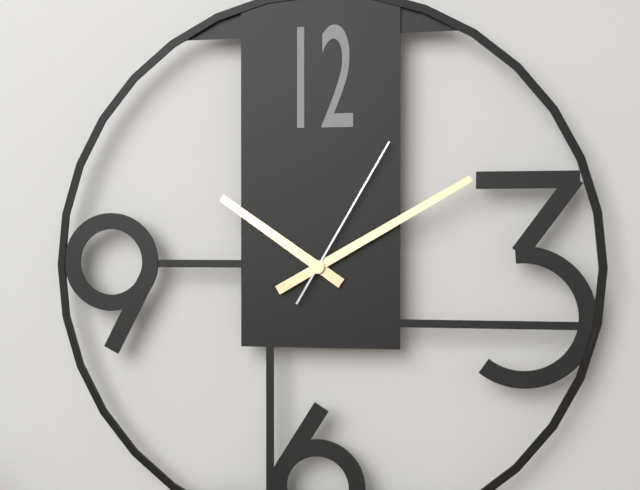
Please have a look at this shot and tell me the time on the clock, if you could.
10:10:05
